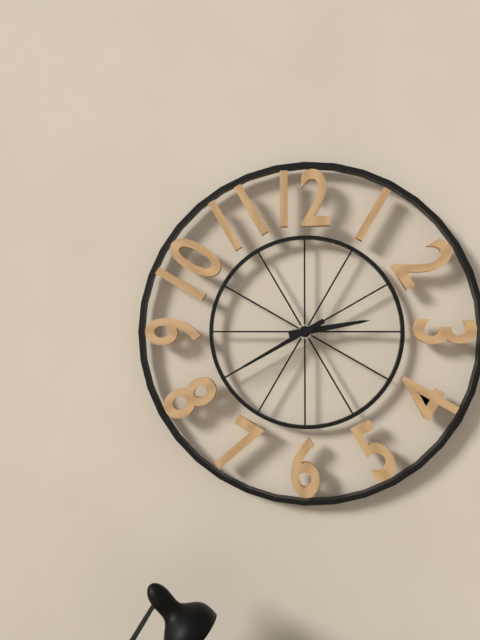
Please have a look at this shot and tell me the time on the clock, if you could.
2:40
